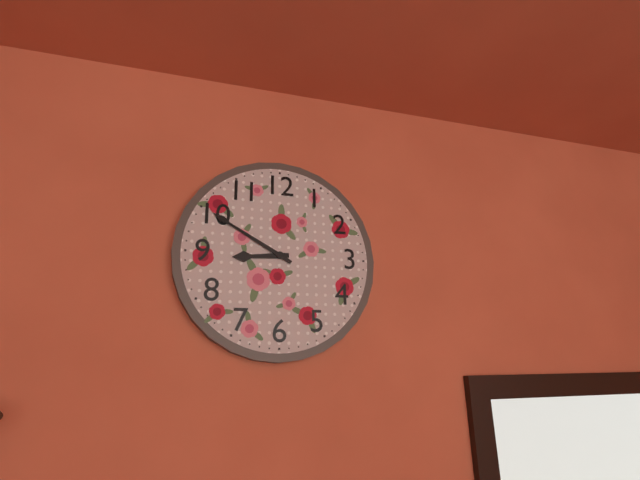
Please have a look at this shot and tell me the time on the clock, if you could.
8:50
